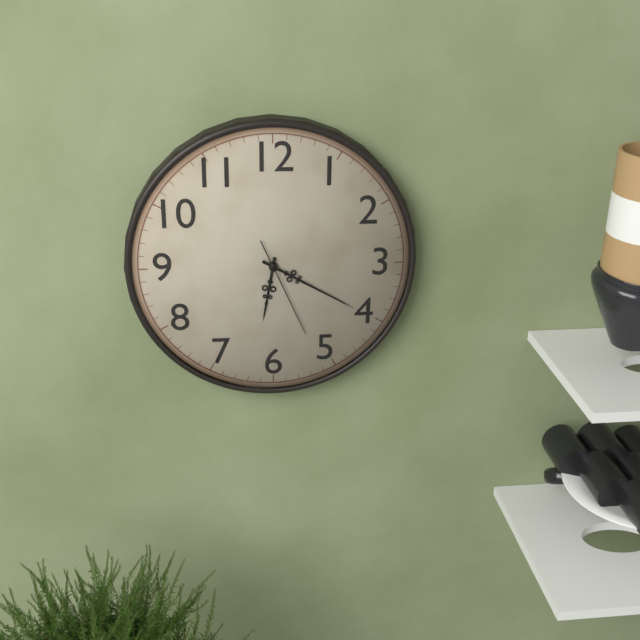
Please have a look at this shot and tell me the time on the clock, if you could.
6:20:26
